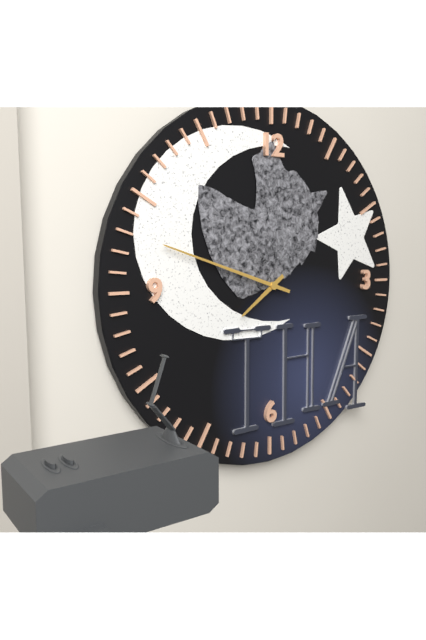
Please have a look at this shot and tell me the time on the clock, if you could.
7:48
